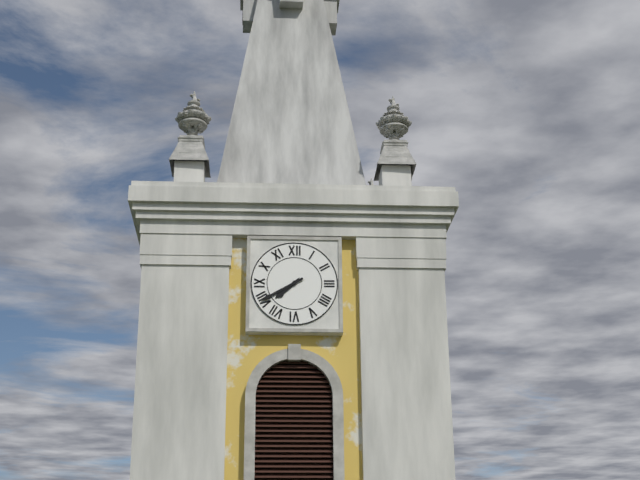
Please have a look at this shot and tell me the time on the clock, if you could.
7:40
